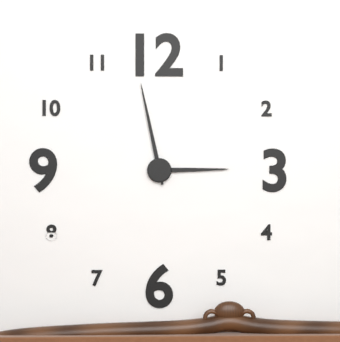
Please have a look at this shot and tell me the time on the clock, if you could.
2:58
